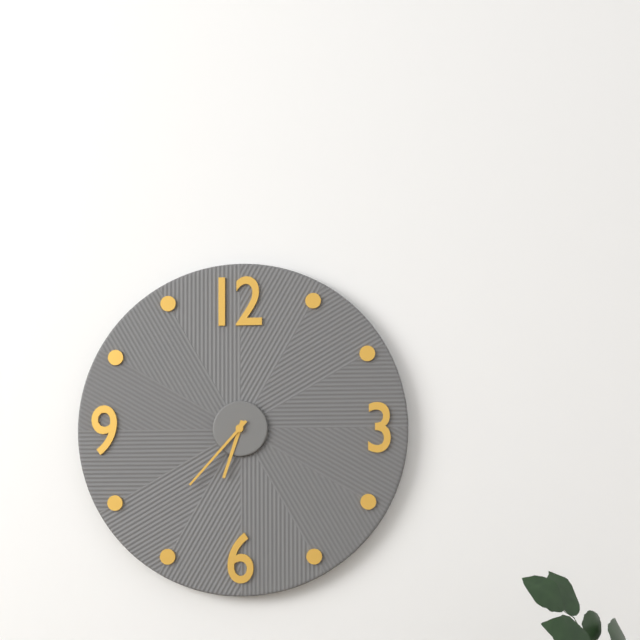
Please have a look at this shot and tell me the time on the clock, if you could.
6:37
